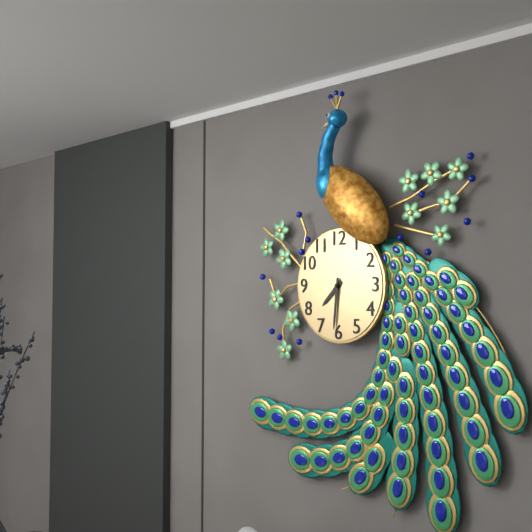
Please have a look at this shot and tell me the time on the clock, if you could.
7:31
